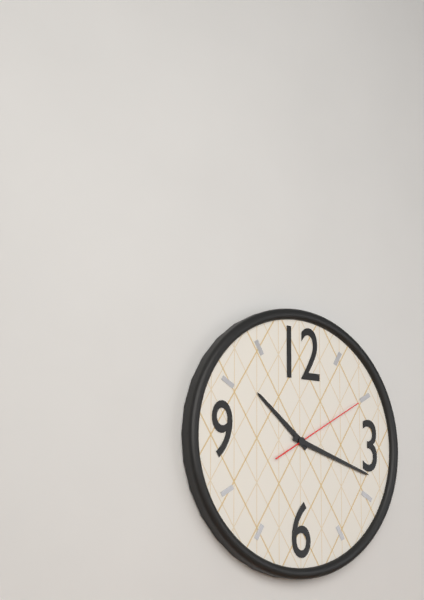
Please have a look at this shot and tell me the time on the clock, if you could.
10:18:10
